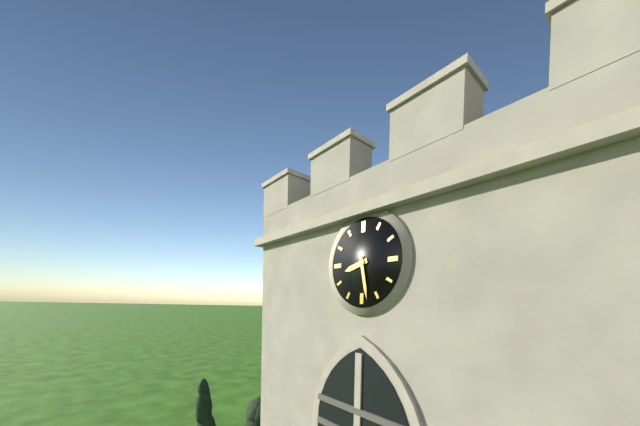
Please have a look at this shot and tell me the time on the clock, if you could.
8:28
